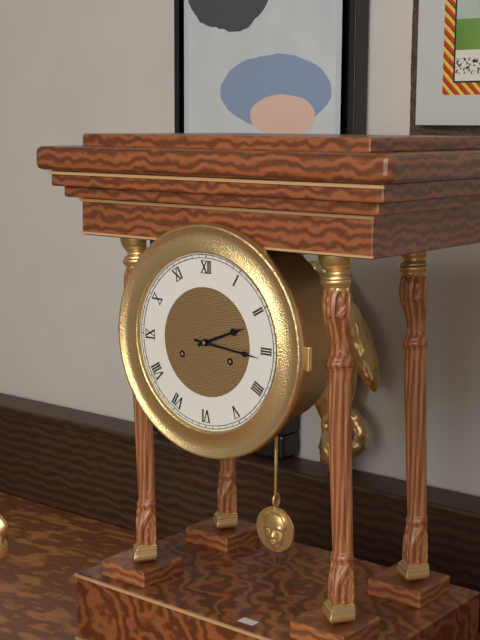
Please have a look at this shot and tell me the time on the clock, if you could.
2:16
